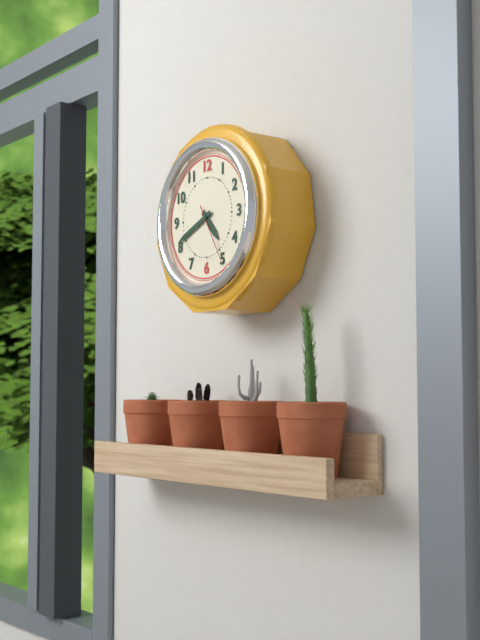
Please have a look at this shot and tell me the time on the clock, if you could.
4:41:25
